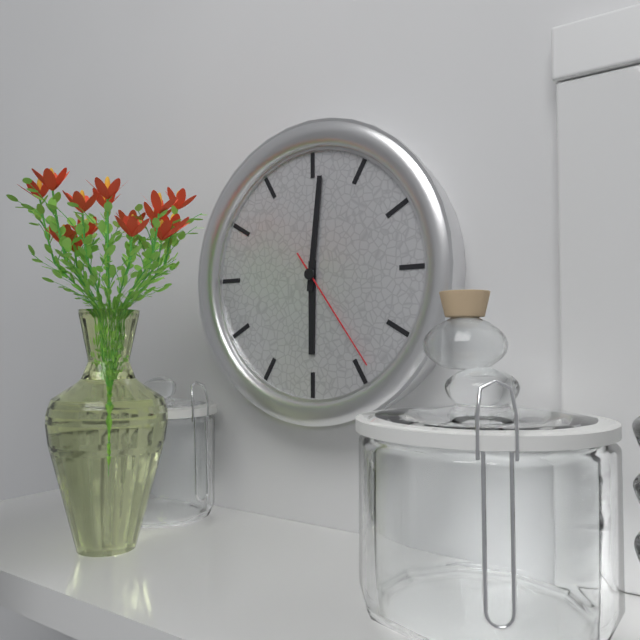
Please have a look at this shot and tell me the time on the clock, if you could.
6:01:24
